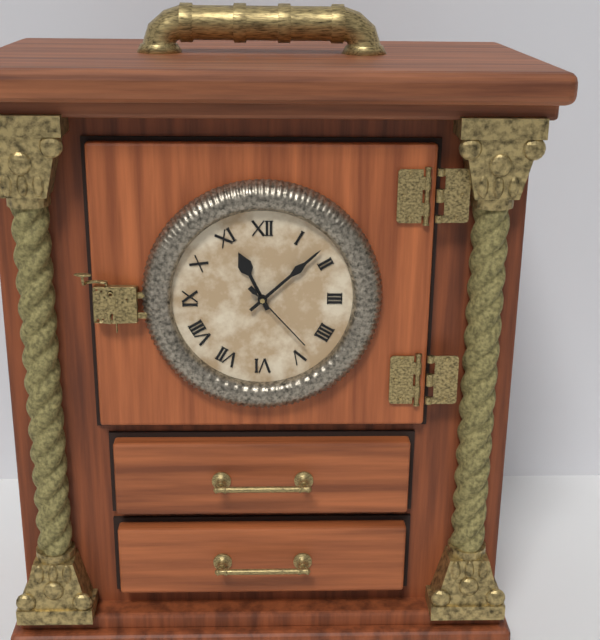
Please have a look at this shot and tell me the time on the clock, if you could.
11:08:23
